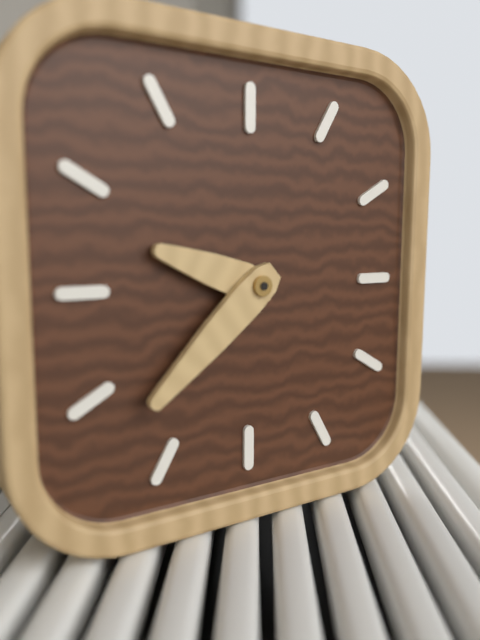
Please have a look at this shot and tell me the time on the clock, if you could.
9:38
